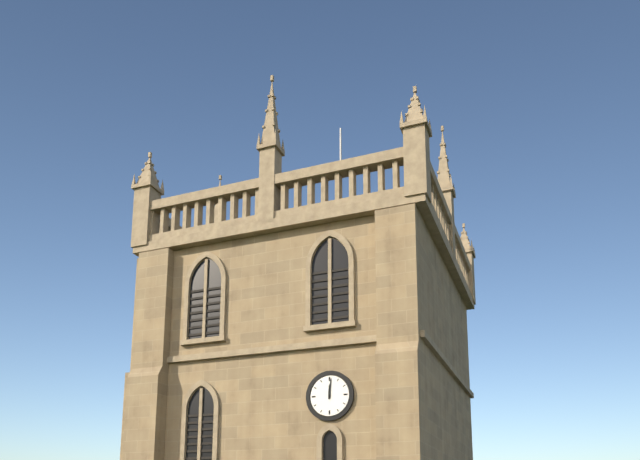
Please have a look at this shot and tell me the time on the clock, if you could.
12:01
